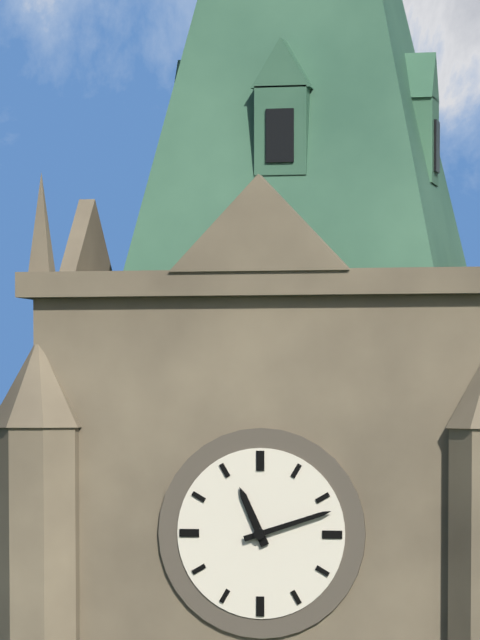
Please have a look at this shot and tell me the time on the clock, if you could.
11:12
